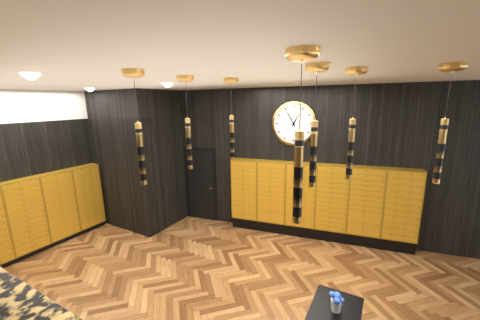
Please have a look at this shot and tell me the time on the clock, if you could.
12:55
